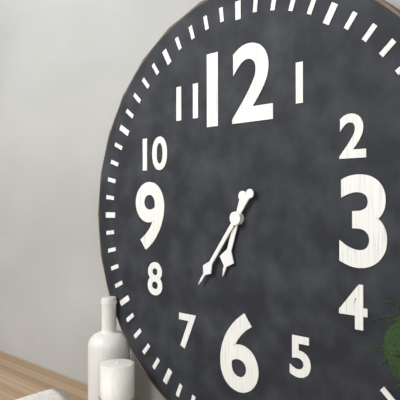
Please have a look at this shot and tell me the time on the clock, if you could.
6:36
